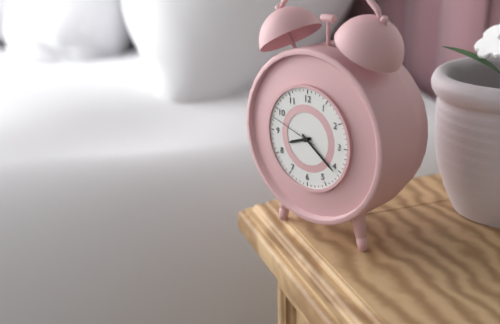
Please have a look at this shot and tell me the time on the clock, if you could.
8:21:48
